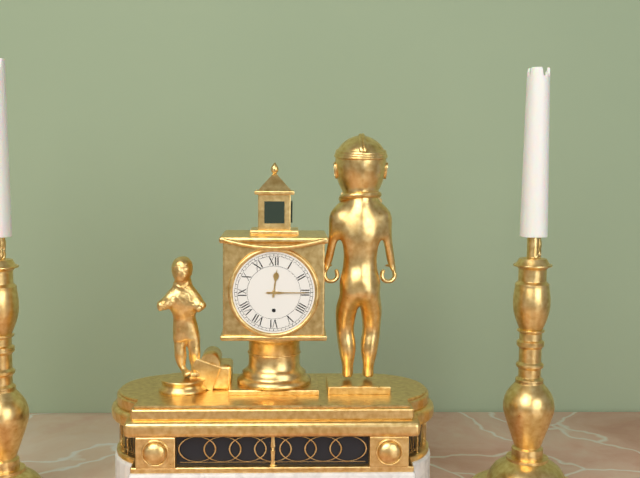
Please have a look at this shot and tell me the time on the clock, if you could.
12:15
